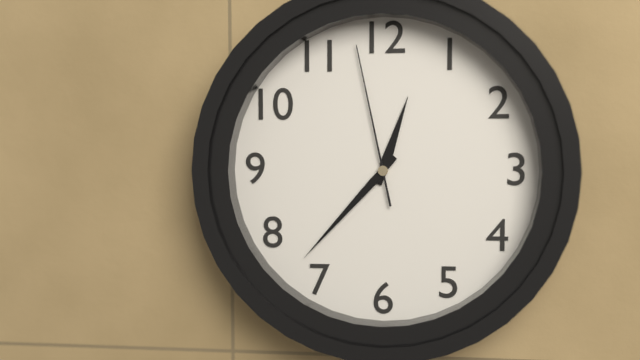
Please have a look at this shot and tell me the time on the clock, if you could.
12:37:58
